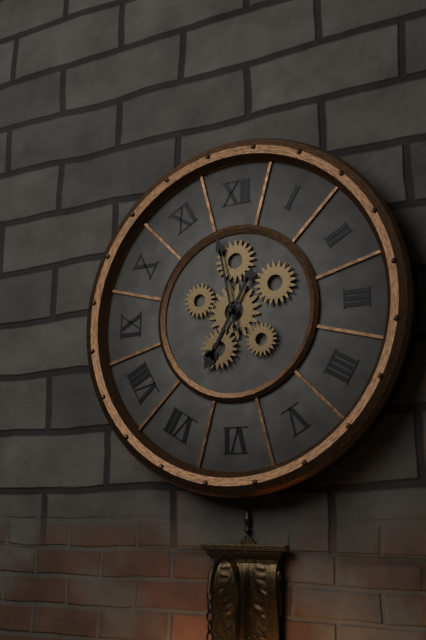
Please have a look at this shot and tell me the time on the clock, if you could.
6:58
